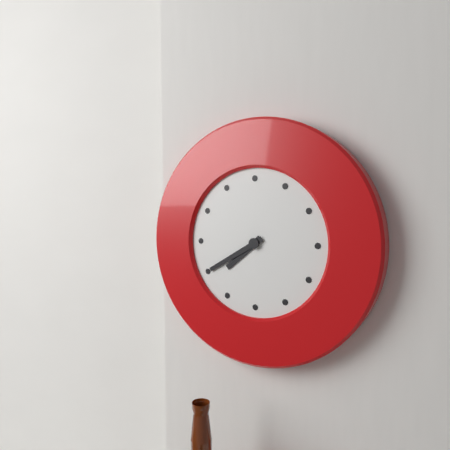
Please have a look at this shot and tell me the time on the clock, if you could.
7:40
